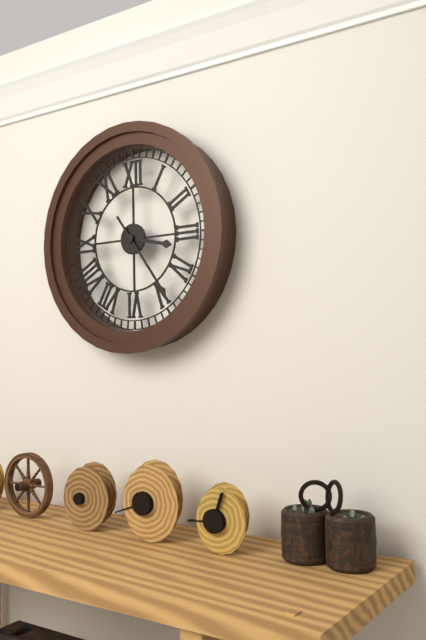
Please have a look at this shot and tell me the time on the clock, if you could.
3:24
